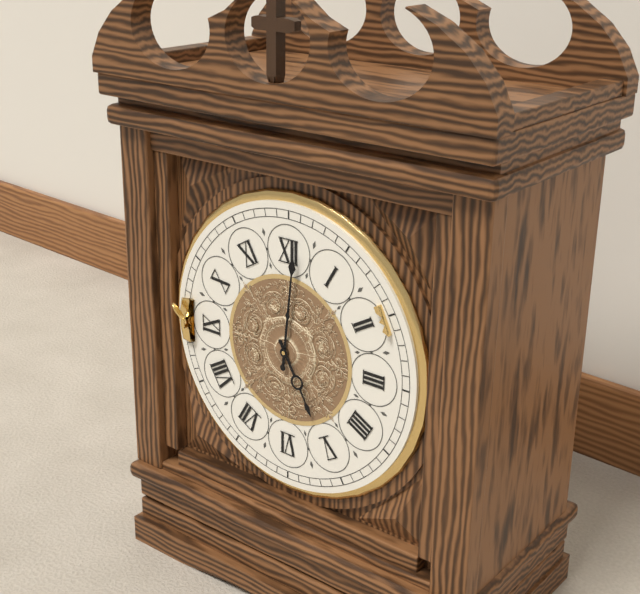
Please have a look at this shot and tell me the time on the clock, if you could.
5:01
